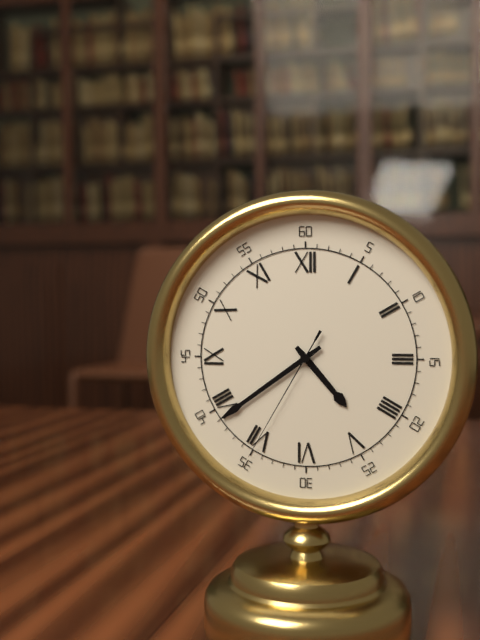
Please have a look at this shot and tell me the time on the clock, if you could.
4:39:35
